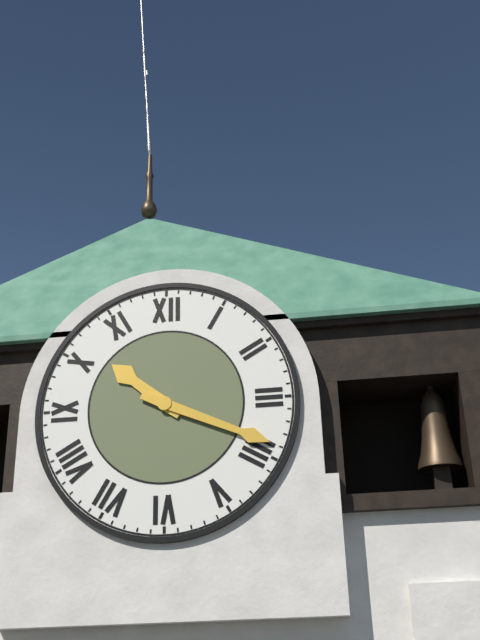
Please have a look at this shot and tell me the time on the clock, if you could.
10:19
